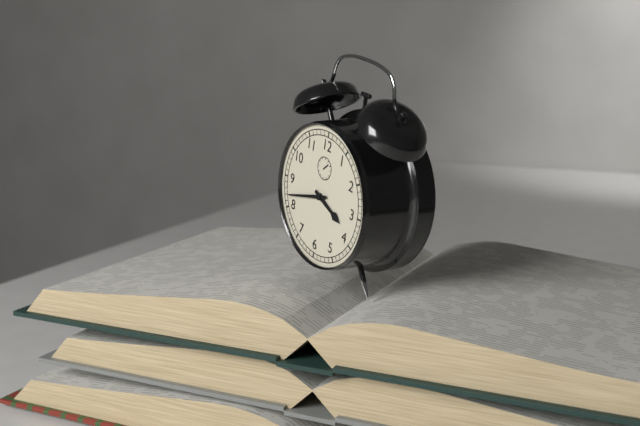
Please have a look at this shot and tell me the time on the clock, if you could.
3:42
